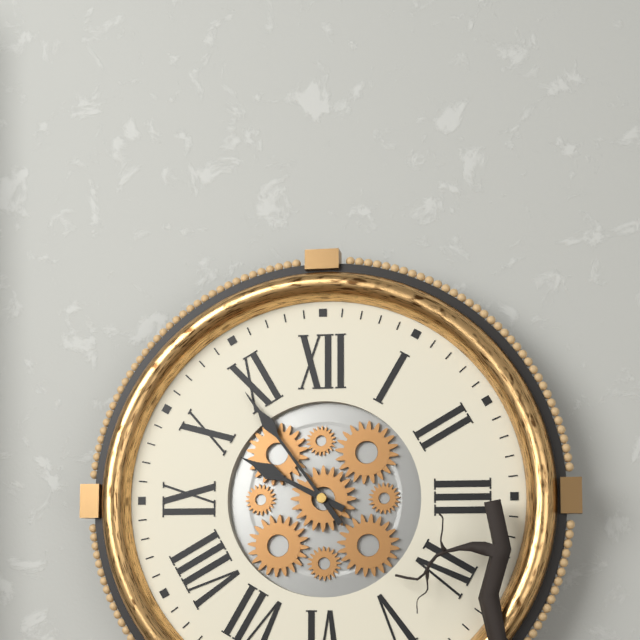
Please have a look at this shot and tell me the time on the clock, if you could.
9:54
